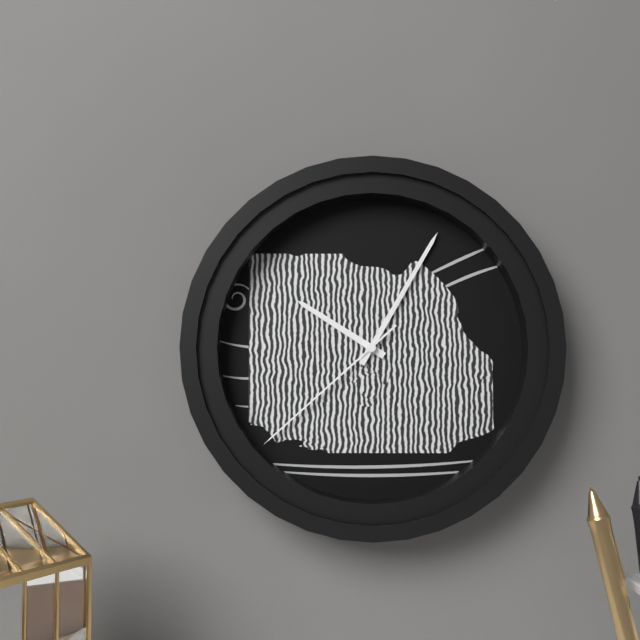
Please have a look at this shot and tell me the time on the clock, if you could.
10:05:38
